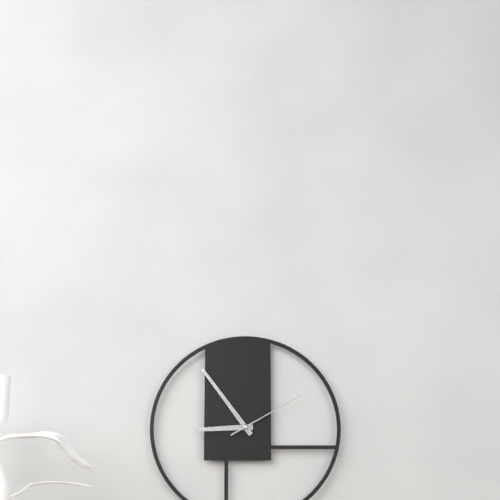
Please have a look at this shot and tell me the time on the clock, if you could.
8:54:10
